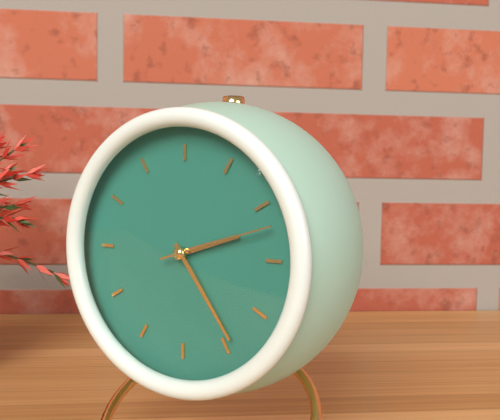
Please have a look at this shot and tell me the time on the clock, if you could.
2:24:12
